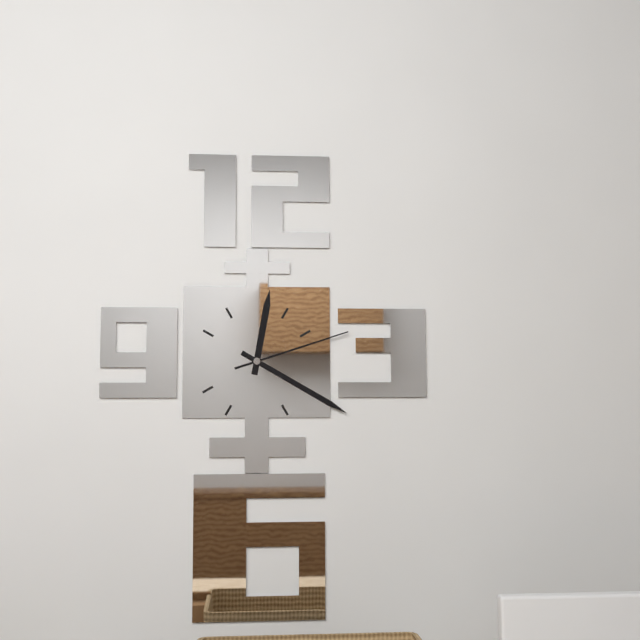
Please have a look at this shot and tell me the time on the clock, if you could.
12:20:12
